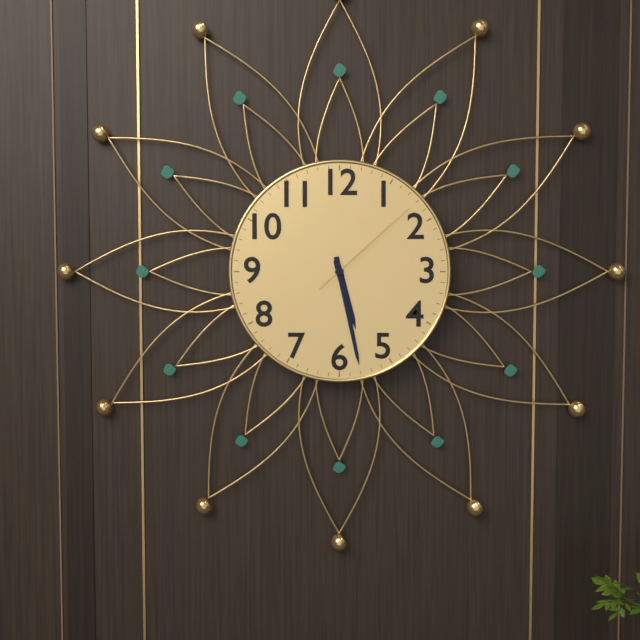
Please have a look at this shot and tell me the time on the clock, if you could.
5:28:08
